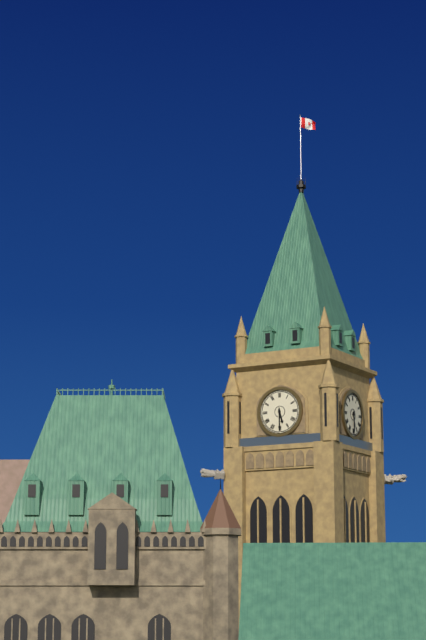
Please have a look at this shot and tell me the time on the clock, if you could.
5:30
